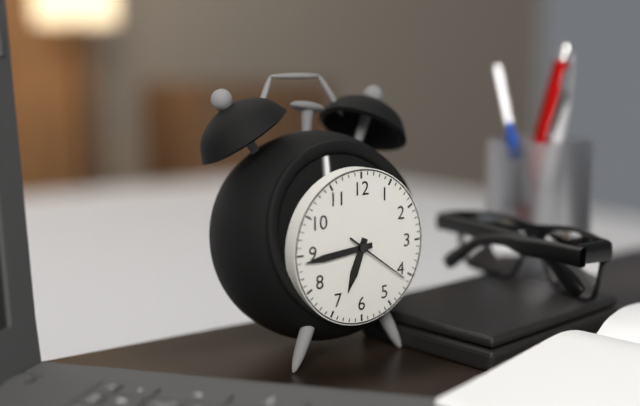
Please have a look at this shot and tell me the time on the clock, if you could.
6:44:21
